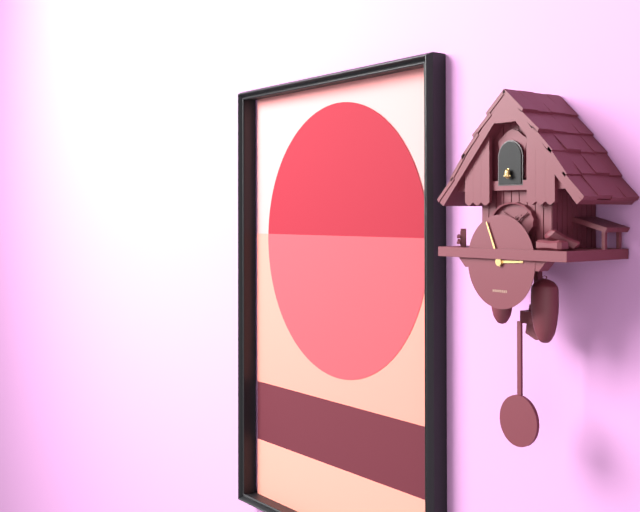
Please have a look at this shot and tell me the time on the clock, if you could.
2:56
